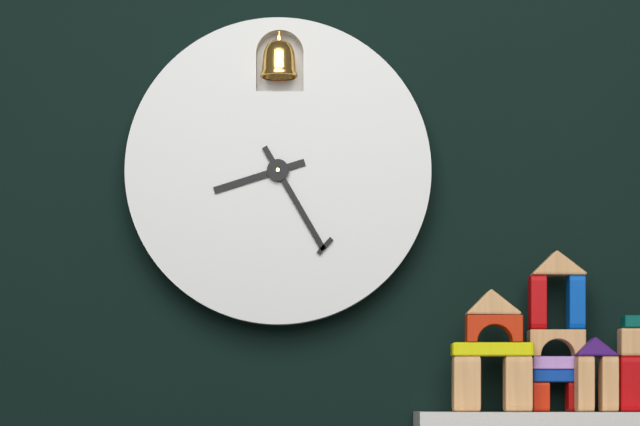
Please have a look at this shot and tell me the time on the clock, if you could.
8:25
